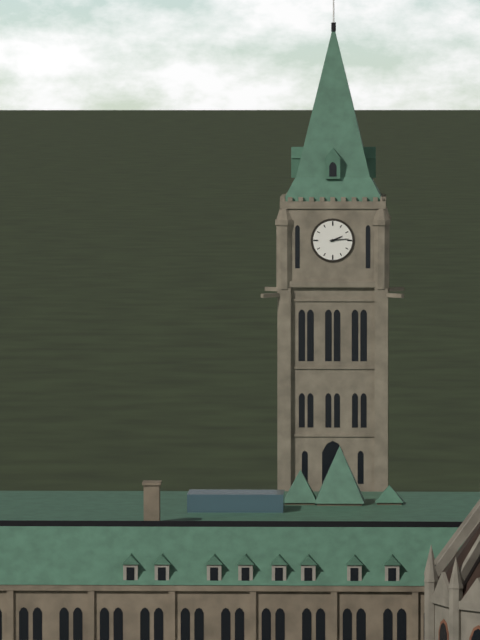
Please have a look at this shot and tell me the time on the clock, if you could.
2:14
